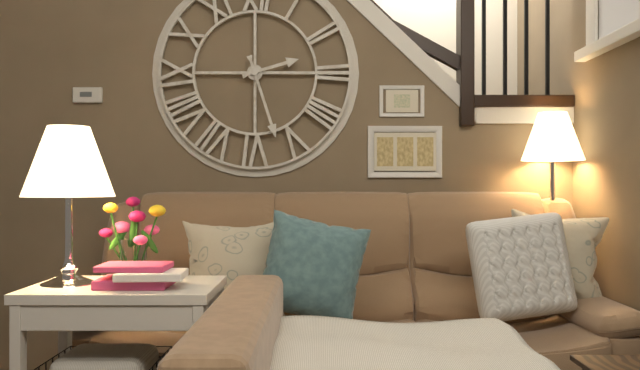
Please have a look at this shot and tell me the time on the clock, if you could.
2:27
